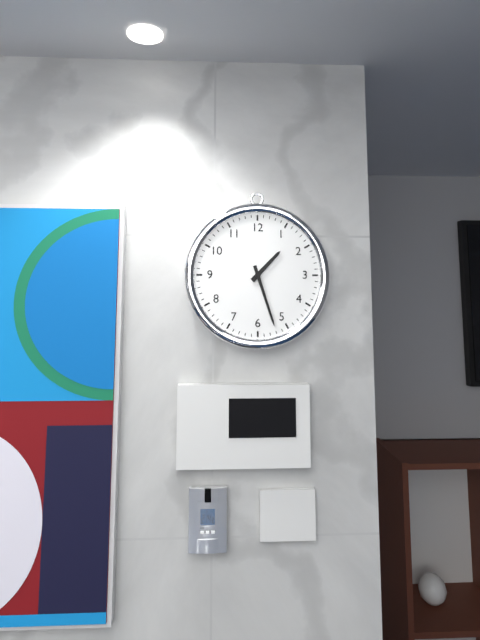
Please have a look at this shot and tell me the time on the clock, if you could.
1:27
